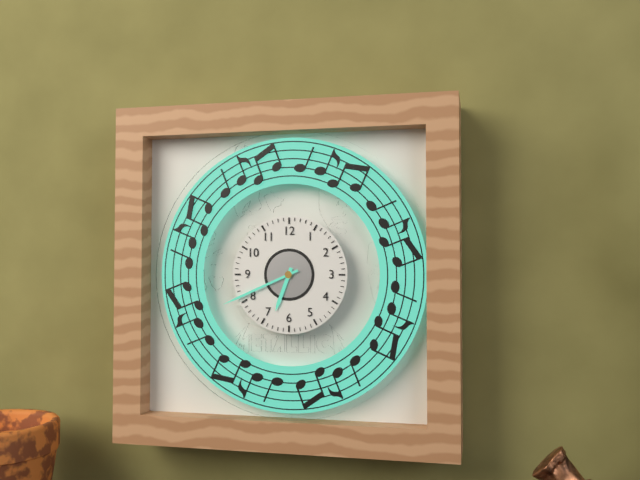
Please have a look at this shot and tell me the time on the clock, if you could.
6:41
